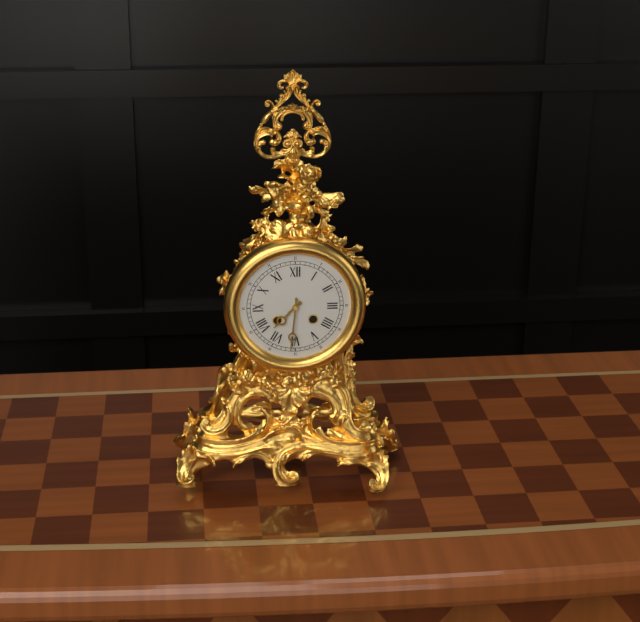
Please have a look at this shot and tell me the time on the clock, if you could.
7:31
